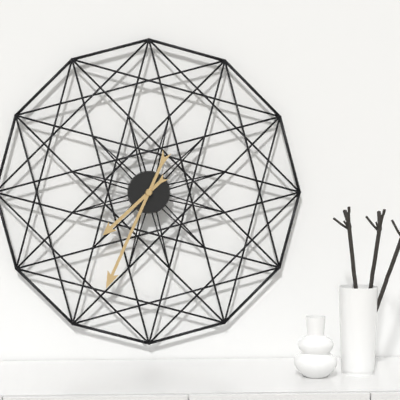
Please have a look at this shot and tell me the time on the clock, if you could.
7:34
